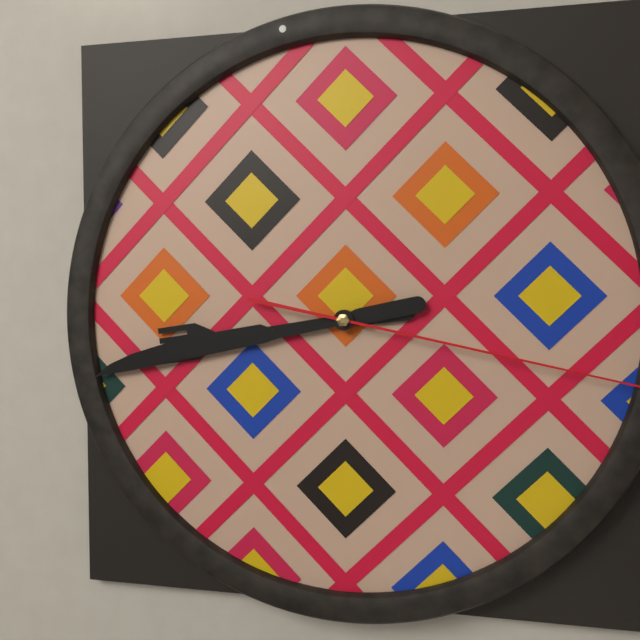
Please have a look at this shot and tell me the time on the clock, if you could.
8:43
